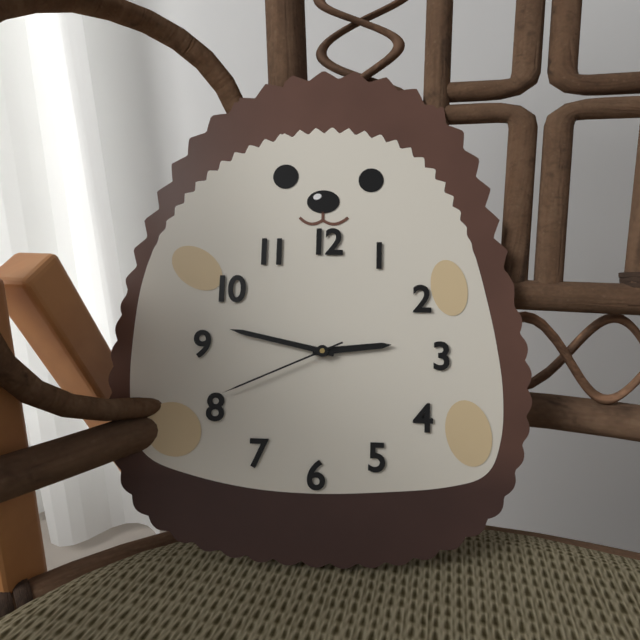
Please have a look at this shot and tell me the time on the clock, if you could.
2:47:41
